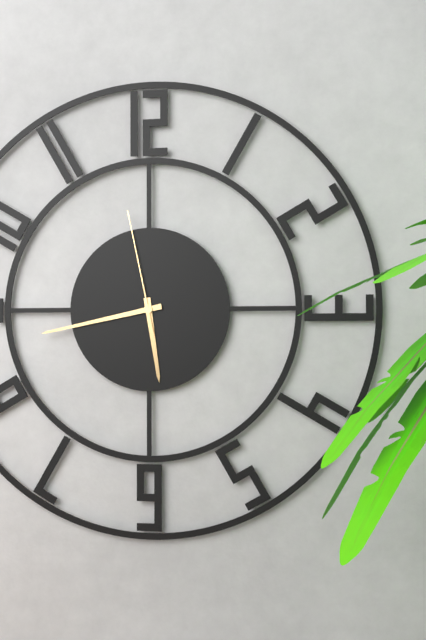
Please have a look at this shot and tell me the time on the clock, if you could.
5:43:58
